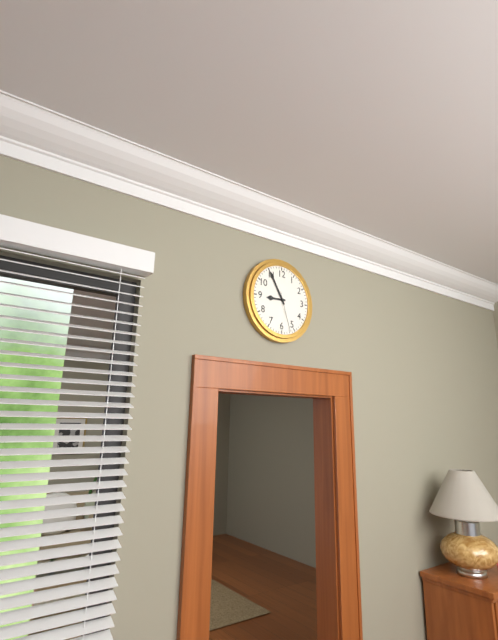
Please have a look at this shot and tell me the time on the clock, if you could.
8:55
